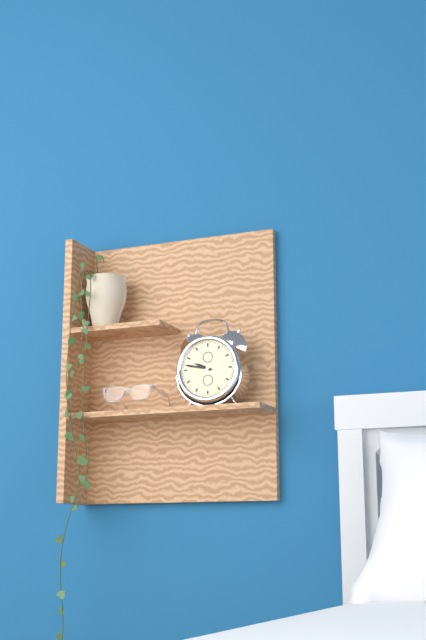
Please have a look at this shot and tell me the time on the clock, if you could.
9:47
